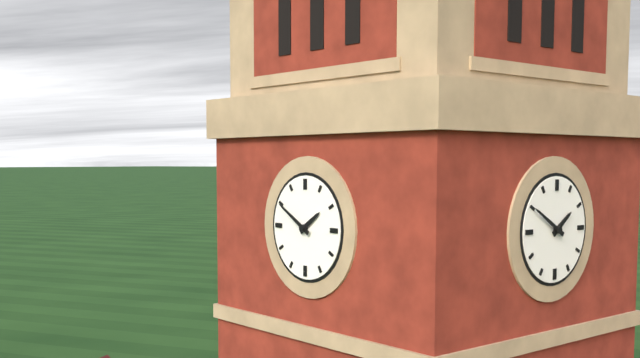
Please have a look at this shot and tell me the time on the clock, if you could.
1:50
